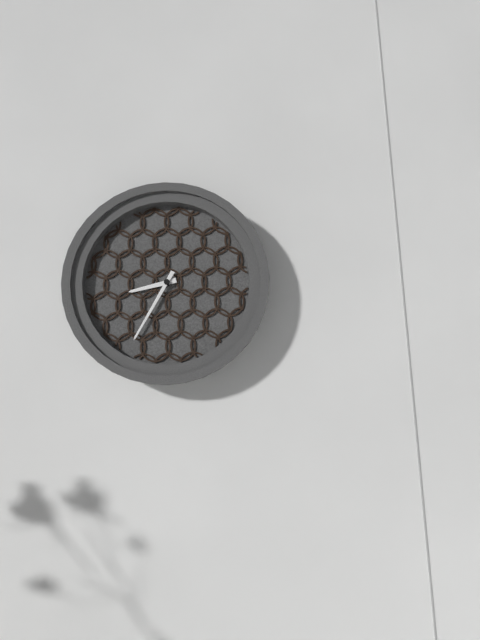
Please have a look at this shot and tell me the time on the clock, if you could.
8:35
